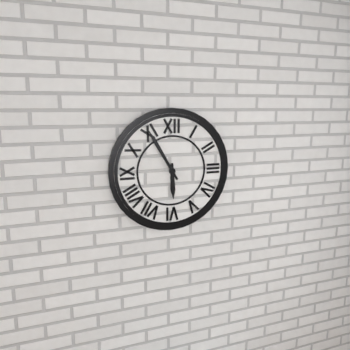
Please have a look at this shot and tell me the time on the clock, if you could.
5:55
